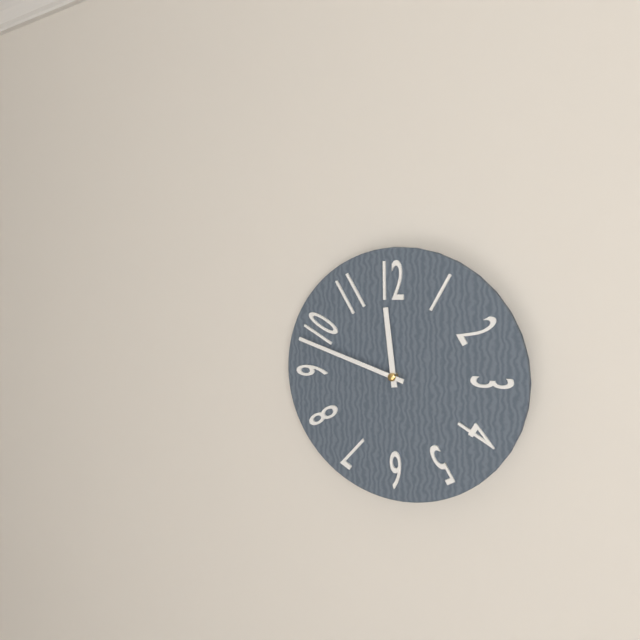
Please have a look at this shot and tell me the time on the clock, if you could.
11:48
